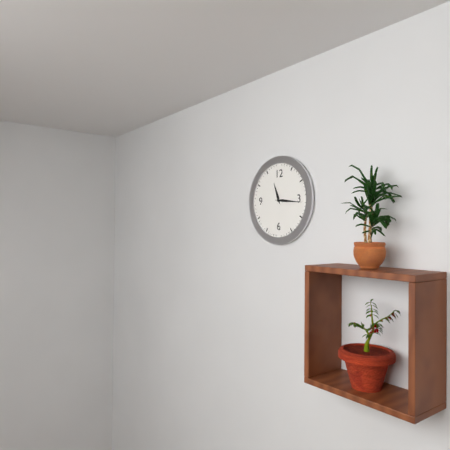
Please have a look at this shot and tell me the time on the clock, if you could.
11:16
